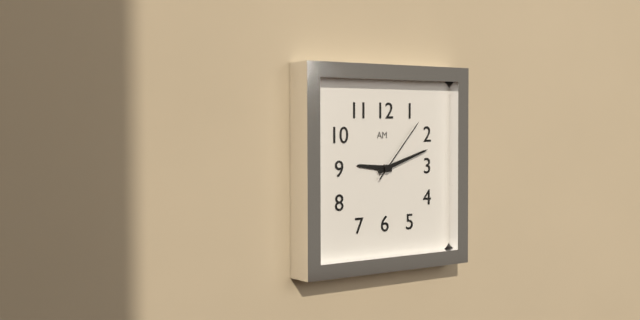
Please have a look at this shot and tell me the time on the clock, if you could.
9:12:07
